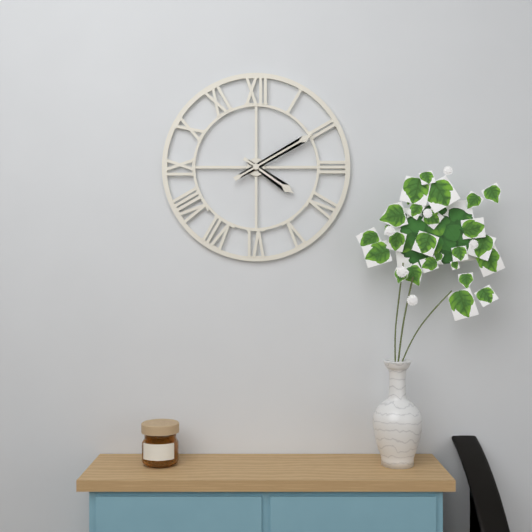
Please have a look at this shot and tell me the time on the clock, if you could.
4:10
